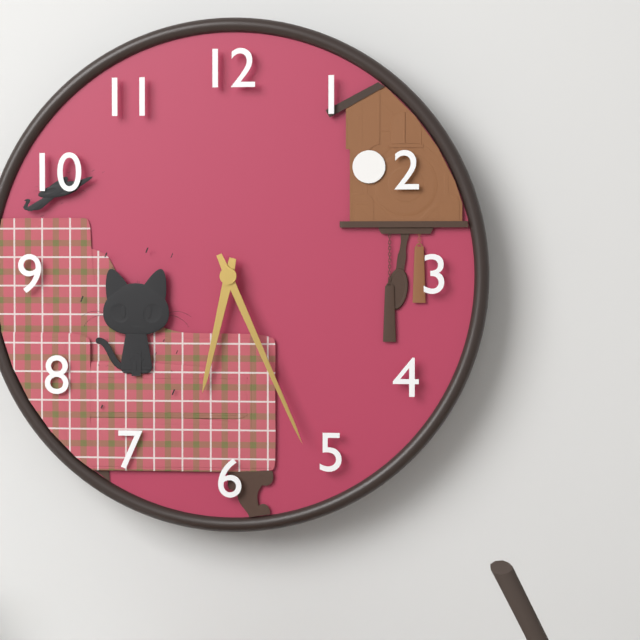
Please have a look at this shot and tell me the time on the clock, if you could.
6:26
